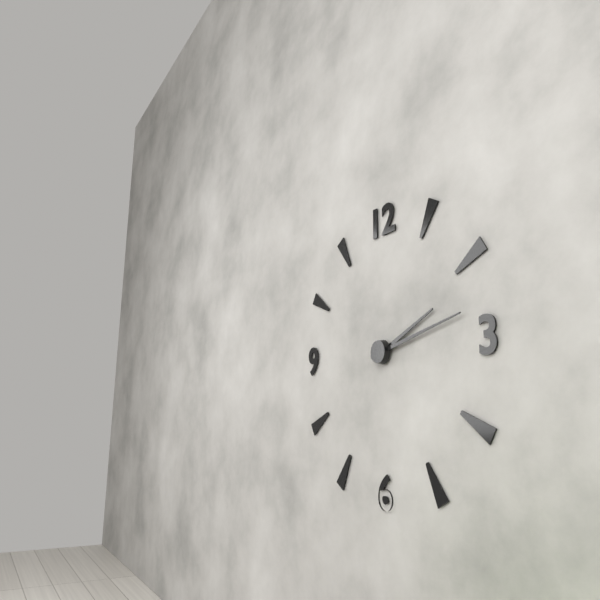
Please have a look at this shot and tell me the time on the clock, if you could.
2:13
